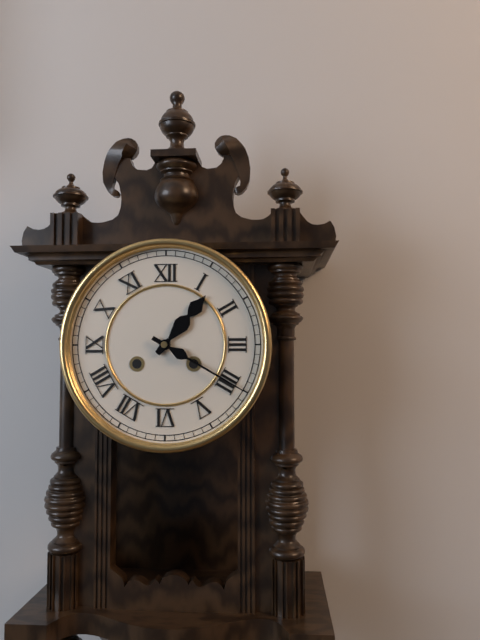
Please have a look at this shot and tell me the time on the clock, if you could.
1:20
